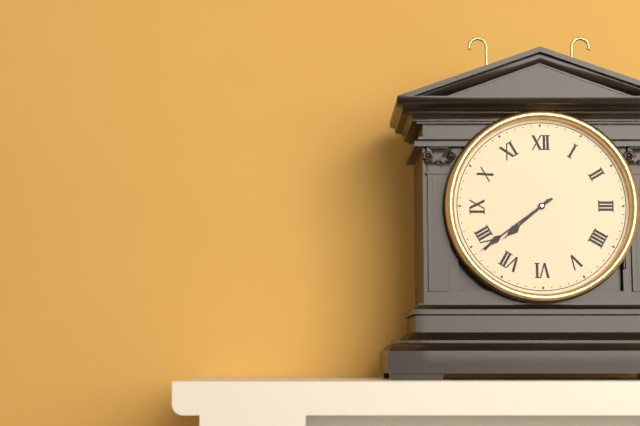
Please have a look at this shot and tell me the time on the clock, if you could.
7:39
